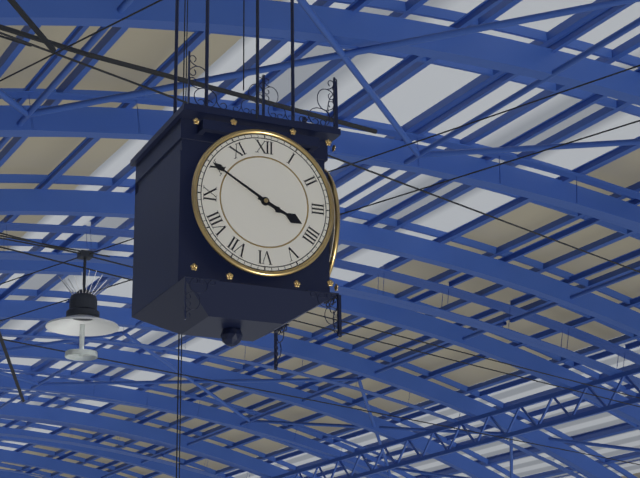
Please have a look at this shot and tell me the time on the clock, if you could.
3:50
